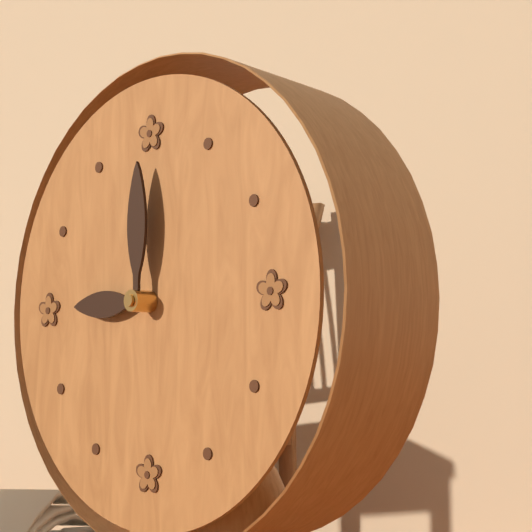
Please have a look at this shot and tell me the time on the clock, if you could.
9:00
